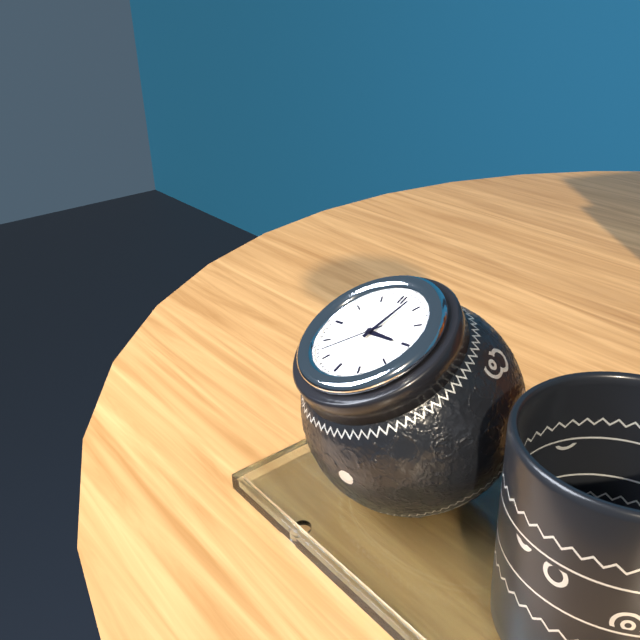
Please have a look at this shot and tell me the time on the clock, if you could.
3:02:37
